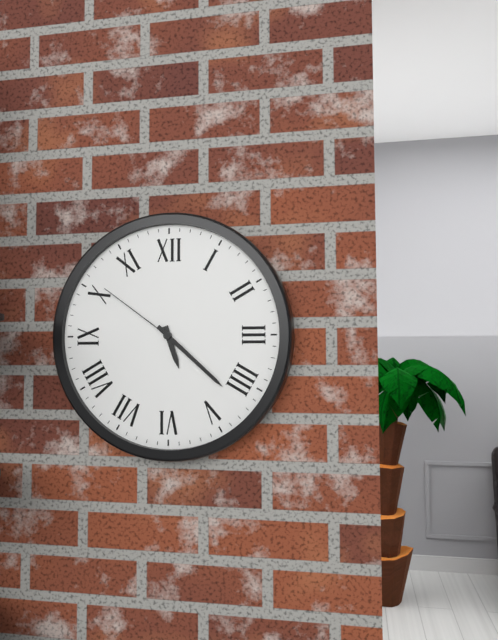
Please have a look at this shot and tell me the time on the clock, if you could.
5:22:51
